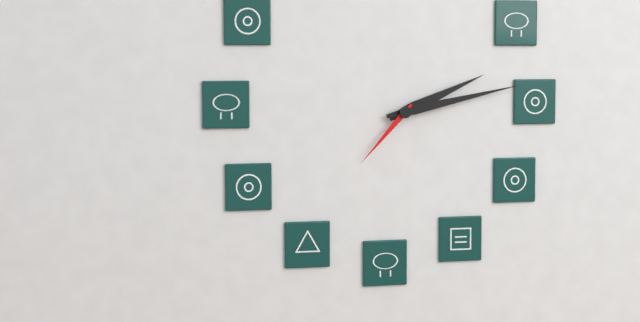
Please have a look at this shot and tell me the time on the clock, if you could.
2:13:37
